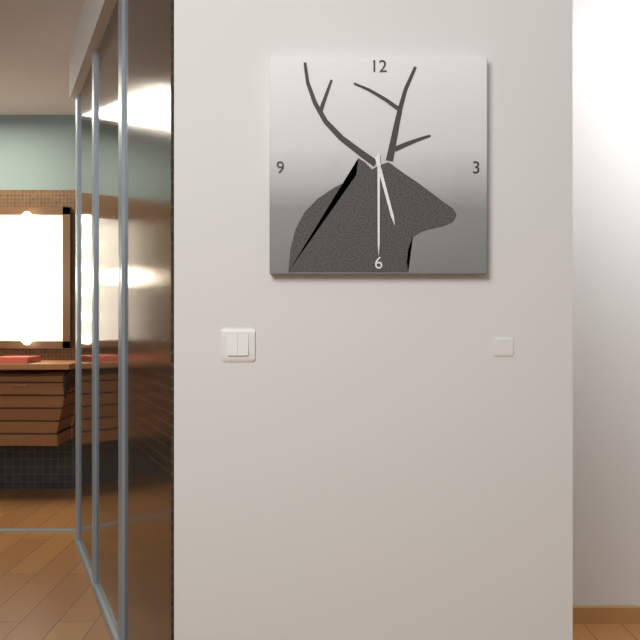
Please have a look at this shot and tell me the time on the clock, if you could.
5:30
